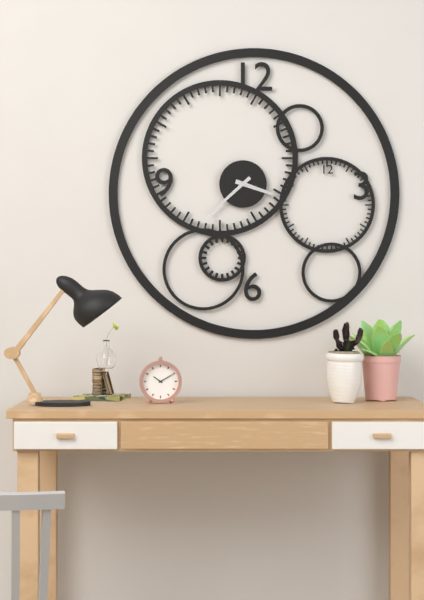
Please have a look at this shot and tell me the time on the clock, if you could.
3:38
